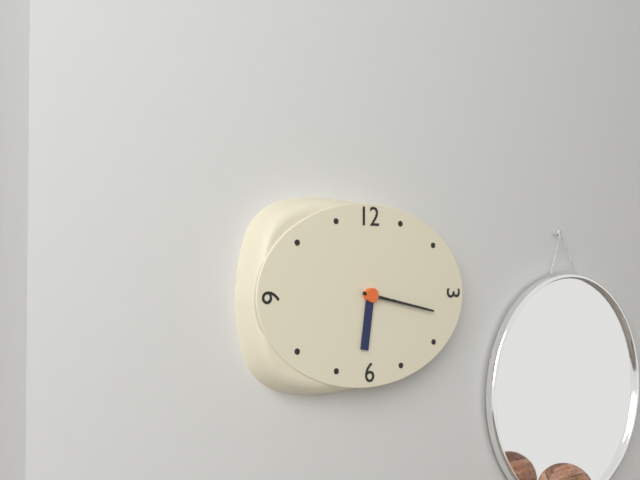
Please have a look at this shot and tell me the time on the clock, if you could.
6:17
